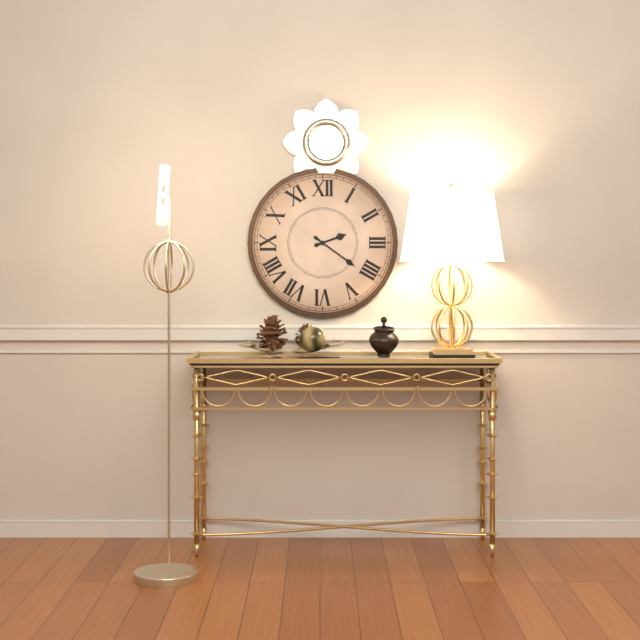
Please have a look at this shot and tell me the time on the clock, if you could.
2:21
